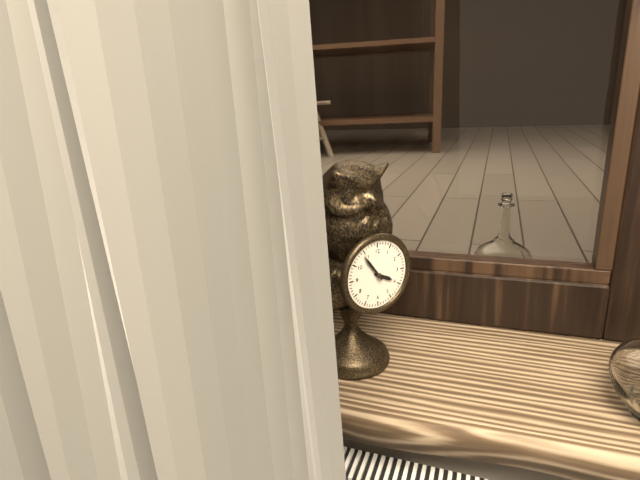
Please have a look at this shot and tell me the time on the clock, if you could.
3:54
